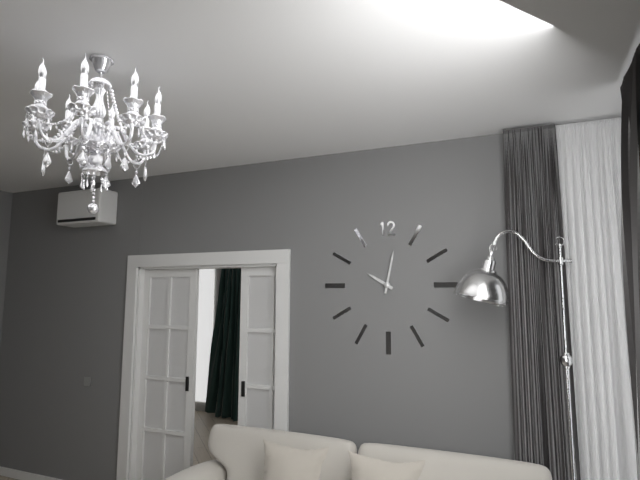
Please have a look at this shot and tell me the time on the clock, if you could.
10:02
